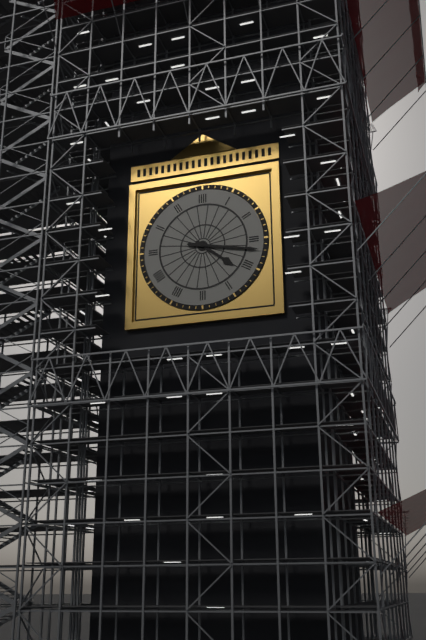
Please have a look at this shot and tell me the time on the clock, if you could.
4:17
